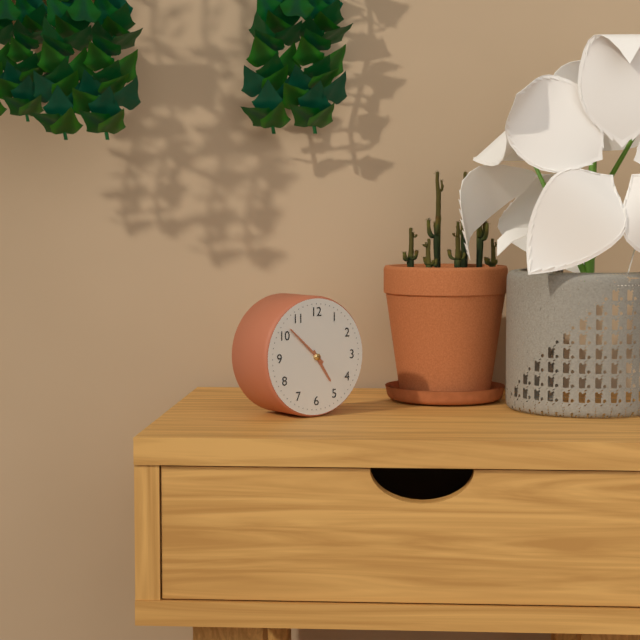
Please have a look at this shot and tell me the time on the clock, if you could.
4:52
